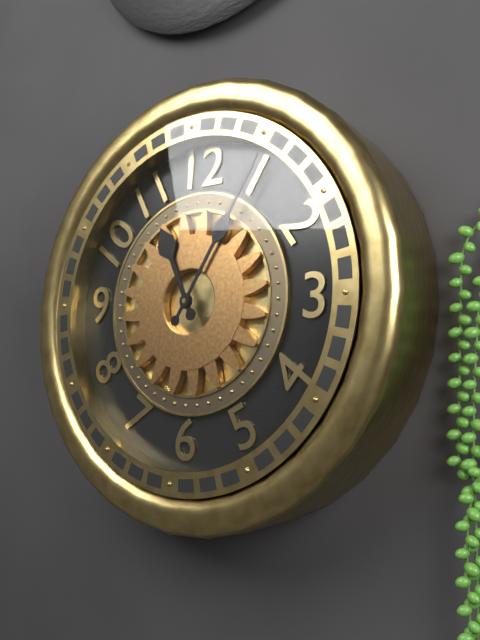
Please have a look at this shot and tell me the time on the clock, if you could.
11:05
